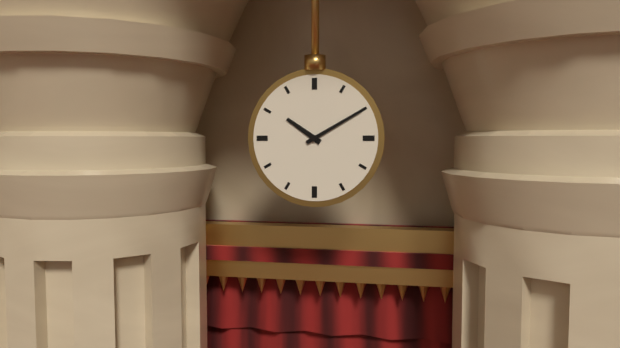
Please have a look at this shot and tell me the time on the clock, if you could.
10:10
